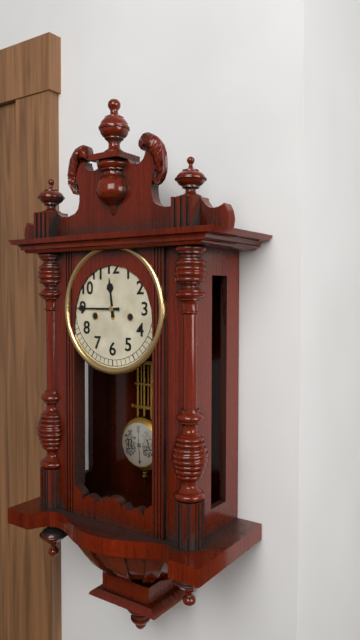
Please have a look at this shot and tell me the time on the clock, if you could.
11:45
